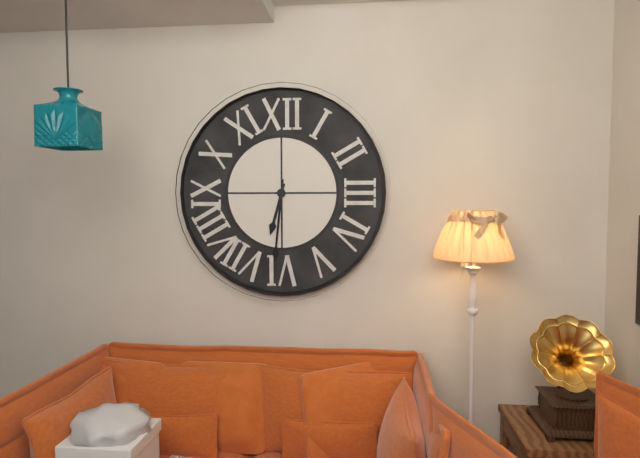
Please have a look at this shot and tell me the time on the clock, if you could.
6:31
